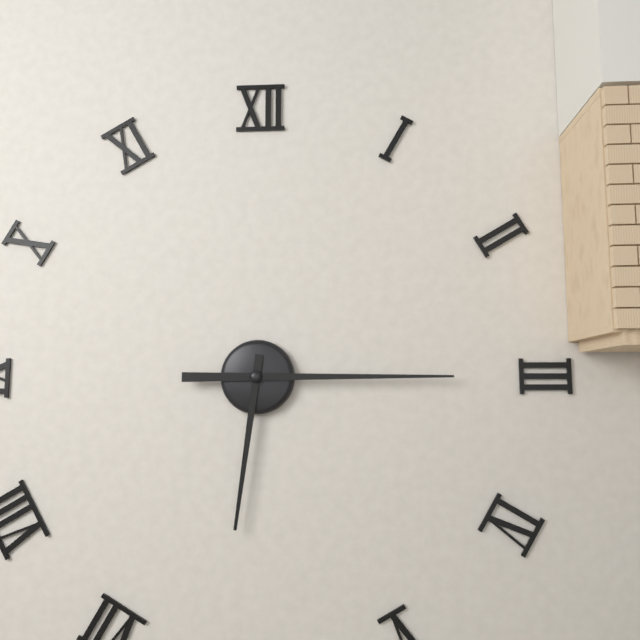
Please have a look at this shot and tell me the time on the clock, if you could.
6:15
